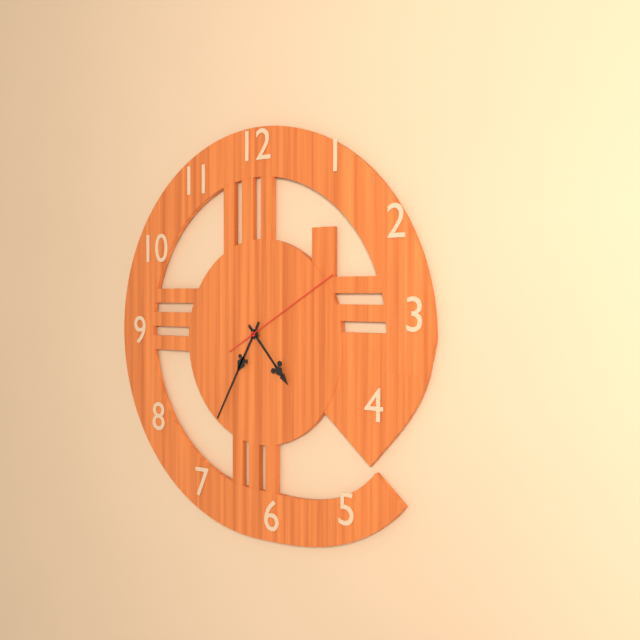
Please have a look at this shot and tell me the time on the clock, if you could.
4:35:10
